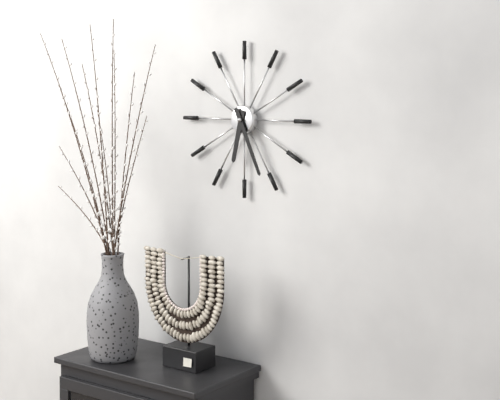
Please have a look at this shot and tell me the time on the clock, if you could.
6:26
